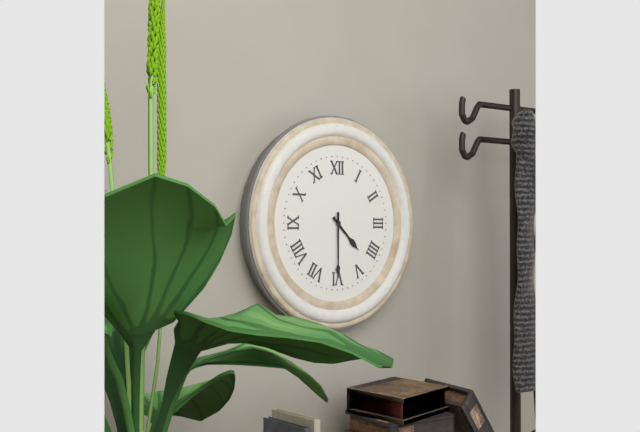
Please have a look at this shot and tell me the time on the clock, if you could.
4:30
